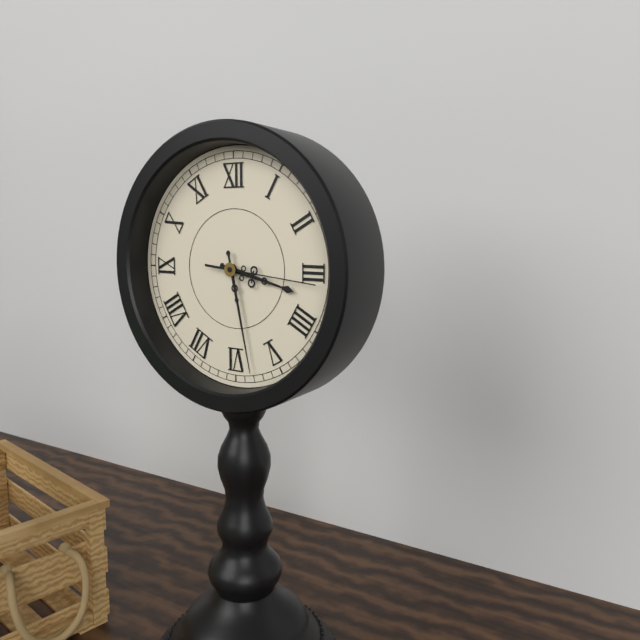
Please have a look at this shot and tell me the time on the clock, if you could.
3:28:16
